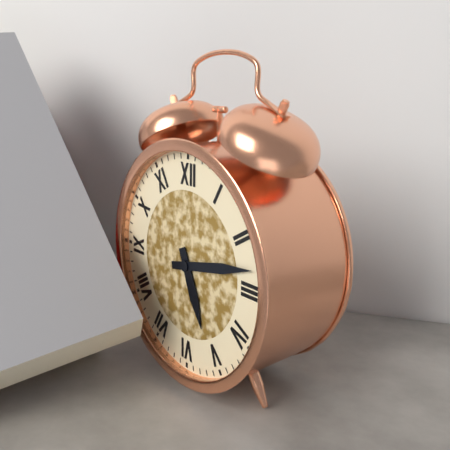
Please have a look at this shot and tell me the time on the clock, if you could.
5:13
